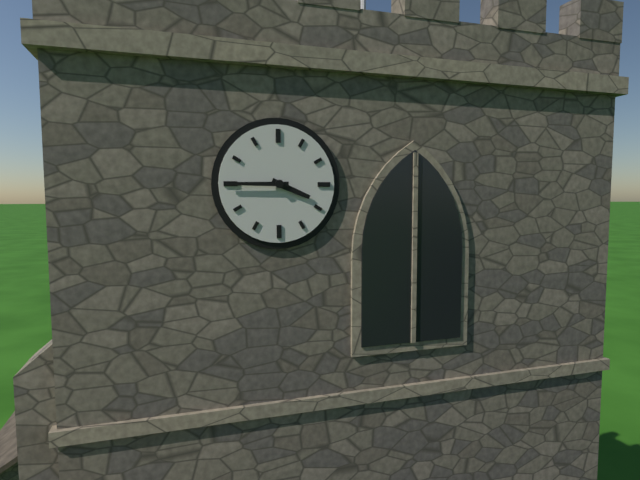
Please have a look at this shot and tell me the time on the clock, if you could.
3:45
